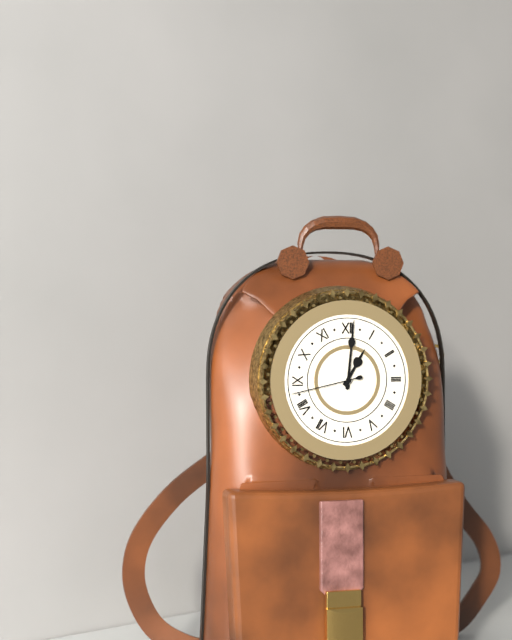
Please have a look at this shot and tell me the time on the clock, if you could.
1:01:43
